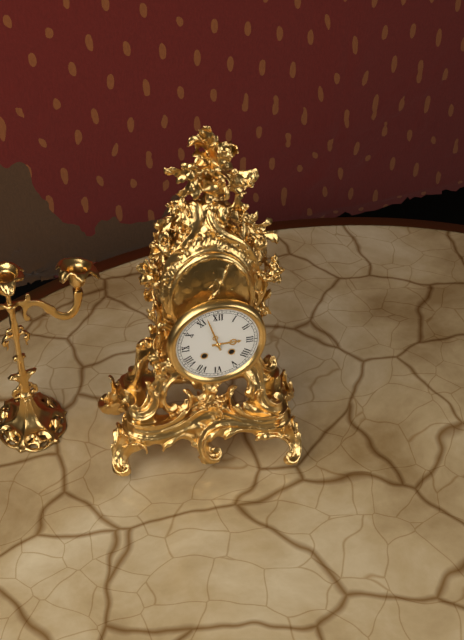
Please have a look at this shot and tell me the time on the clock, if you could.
2:57
